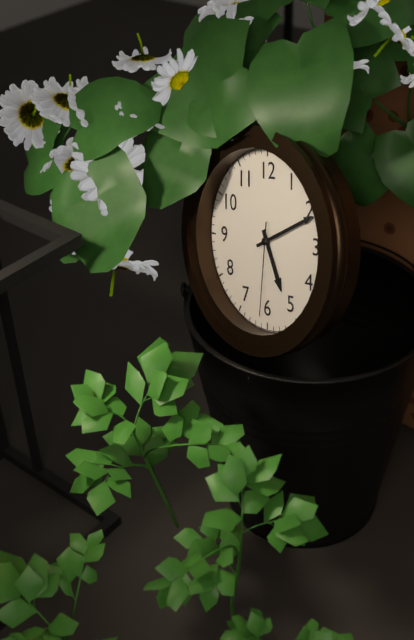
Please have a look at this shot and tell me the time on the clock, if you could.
5:11:31
